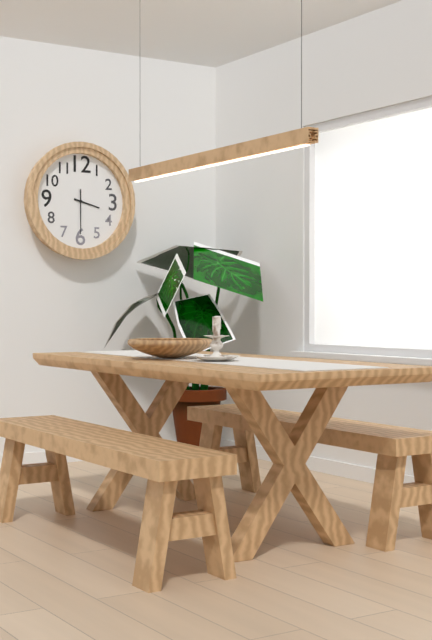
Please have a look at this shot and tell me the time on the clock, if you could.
3:30
